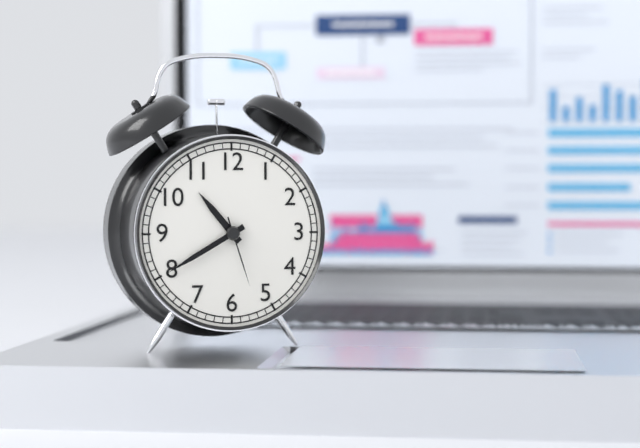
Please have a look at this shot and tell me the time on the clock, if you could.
10:40:27
